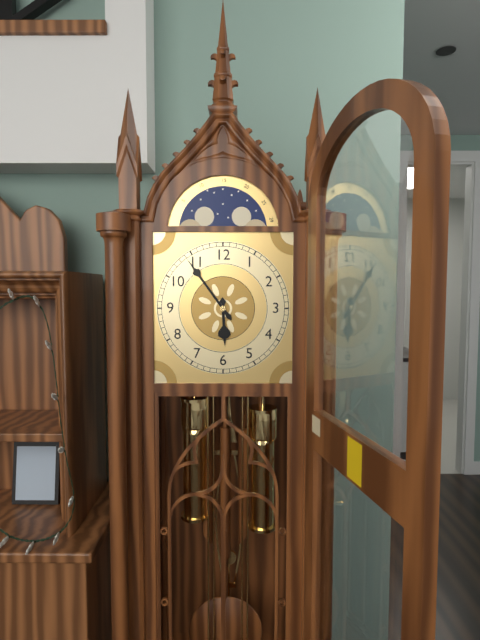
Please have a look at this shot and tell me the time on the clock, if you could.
5:54
